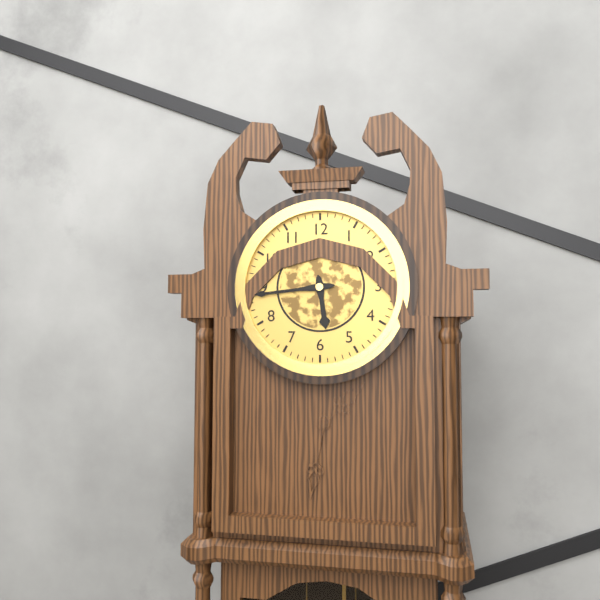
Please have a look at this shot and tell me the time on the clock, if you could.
5:44
